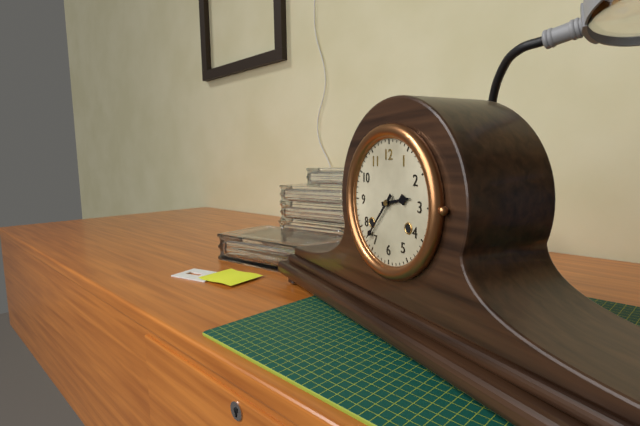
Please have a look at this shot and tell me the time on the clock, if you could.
2:37
